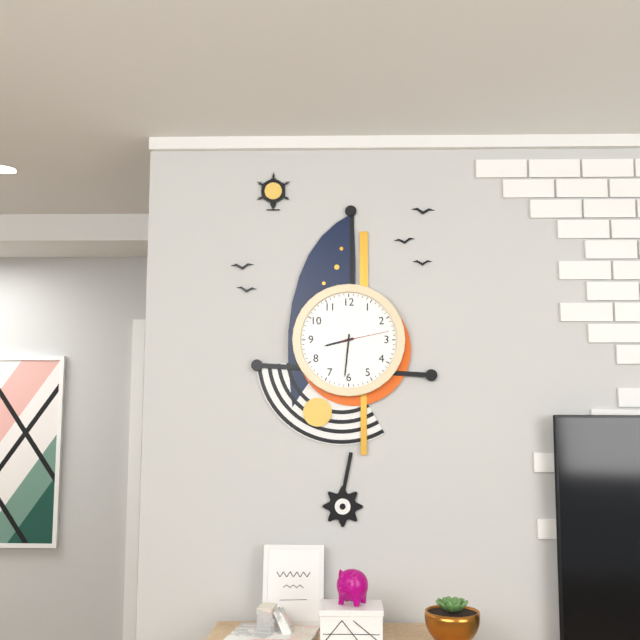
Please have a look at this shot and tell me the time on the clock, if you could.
8:31:13
